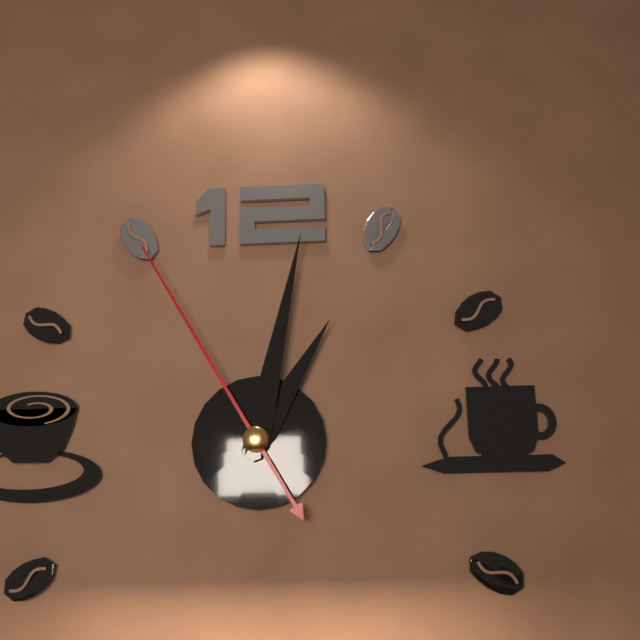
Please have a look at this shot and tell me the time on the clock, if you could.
1:02:55
